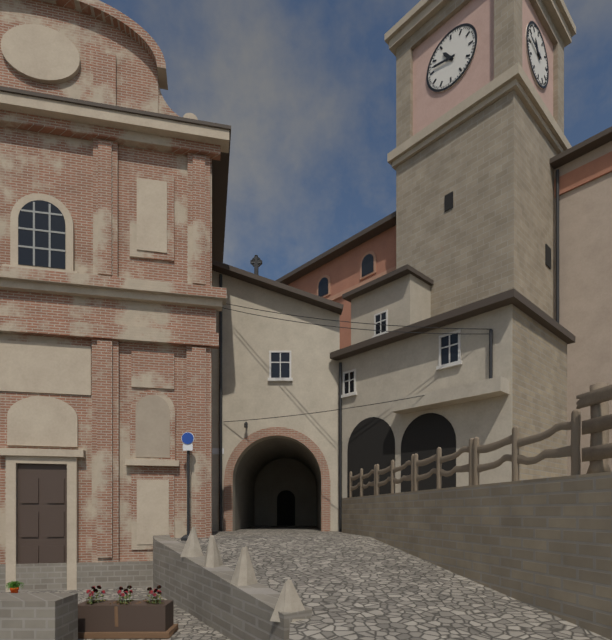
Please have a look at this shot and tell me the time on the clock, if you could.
10:47
